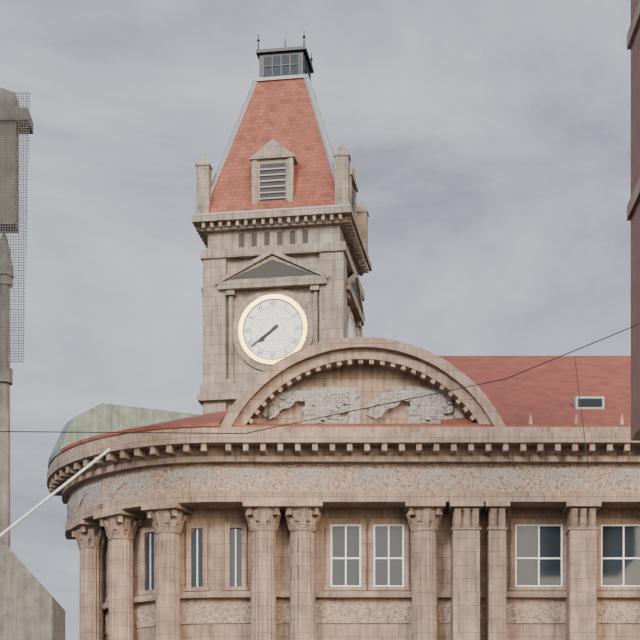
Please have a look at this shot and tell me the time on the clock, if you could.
7:39
